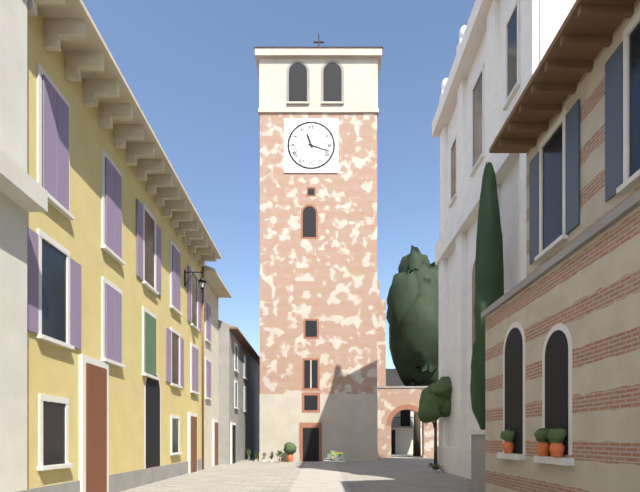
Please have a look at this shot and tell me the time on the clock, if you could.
11:18
